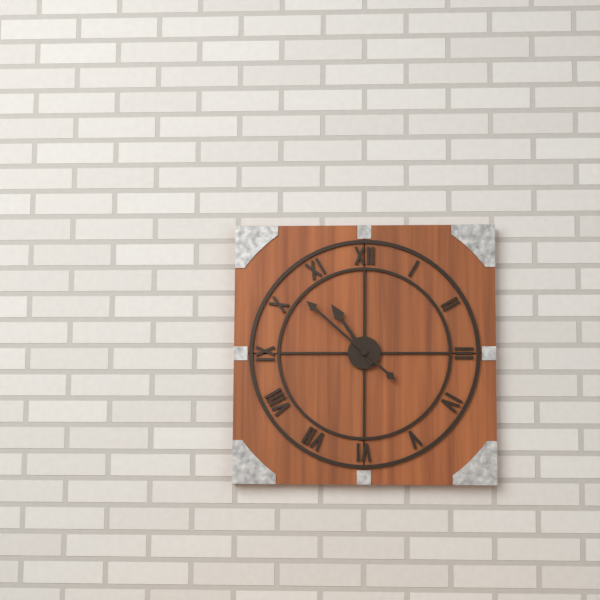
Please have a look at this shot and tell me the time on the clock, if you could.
10:52
